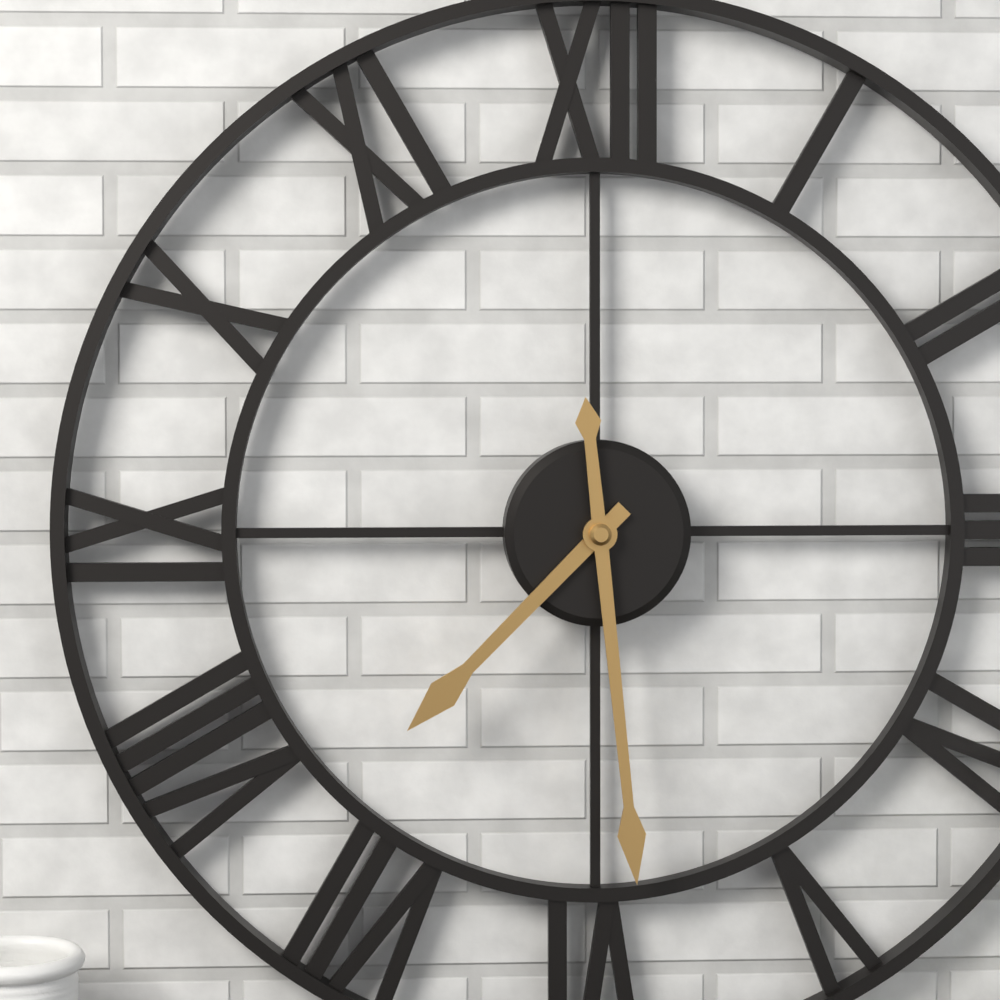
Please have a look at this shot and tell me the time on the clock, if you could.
7:29
